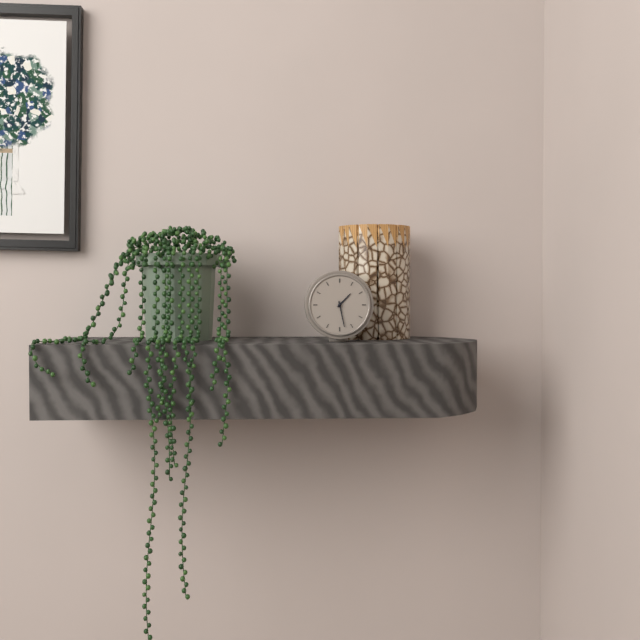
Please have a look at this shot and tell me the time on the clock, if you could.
1:28
